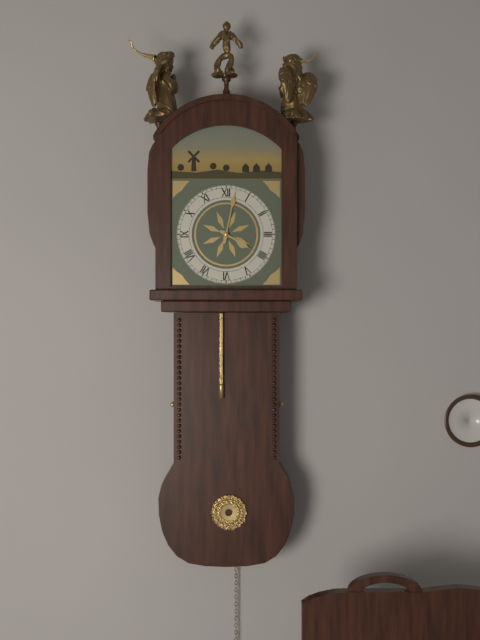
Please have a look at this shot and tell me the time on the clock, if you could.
4:02
